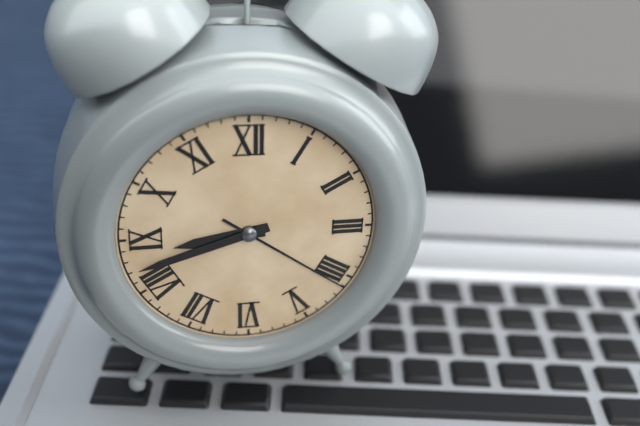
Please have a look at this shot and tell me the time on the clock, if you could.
8:42:21
